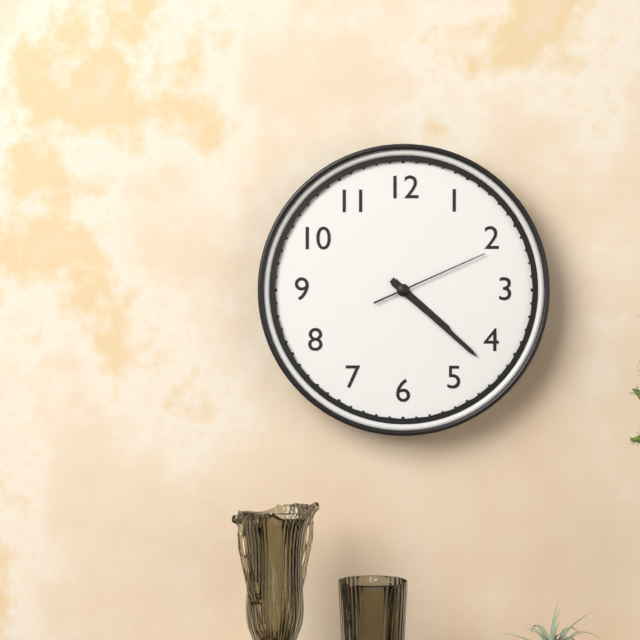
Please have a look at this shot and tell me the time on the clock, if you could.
4:22:11
